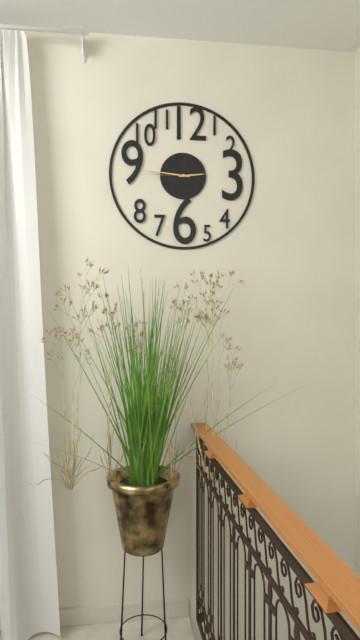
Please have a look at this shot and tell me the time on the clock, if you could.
2:46:45
